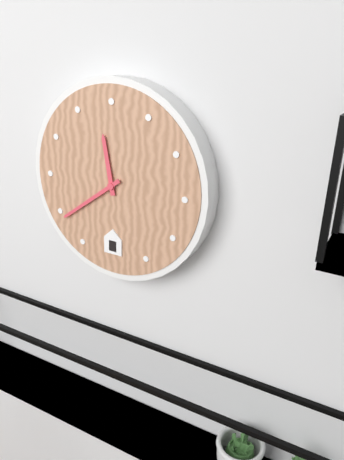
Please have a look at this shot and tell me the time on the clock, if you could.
11:39
